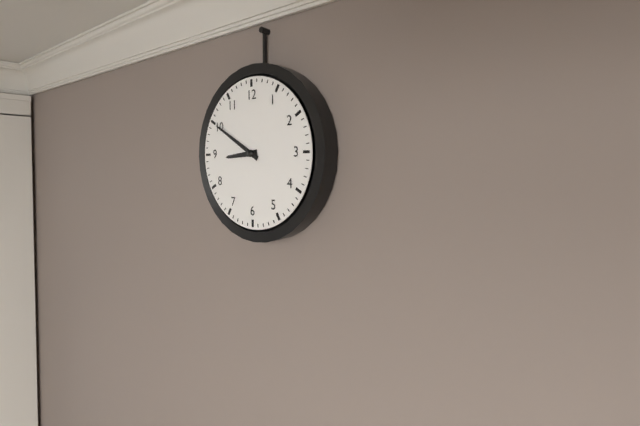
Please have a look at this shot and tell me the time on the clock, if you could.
8:50
